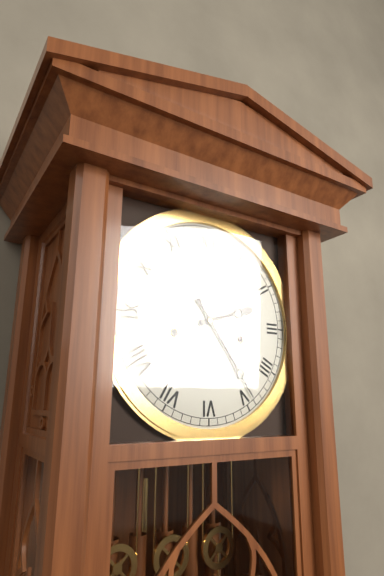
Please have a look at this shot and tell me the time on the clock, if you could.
2:24
